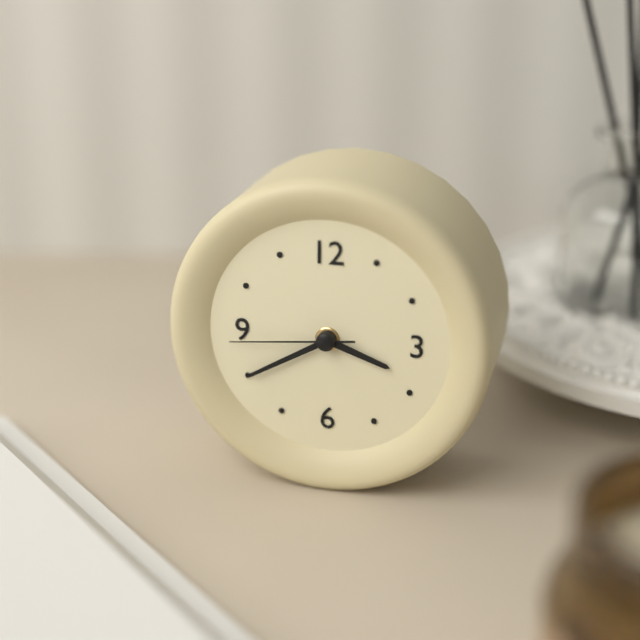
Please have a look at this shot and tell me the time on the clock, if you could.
3:40:44
